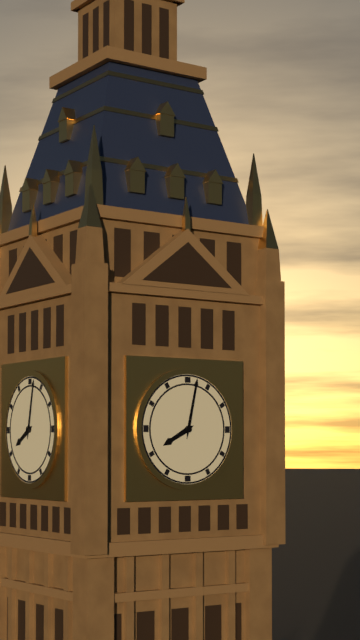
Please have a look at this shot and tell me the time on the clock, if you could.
8:02
